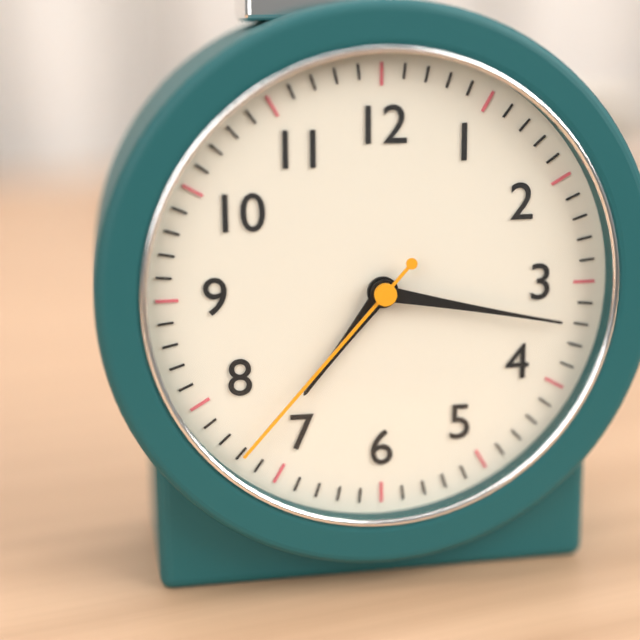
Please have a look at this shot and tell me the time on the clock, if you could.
7:17:37
